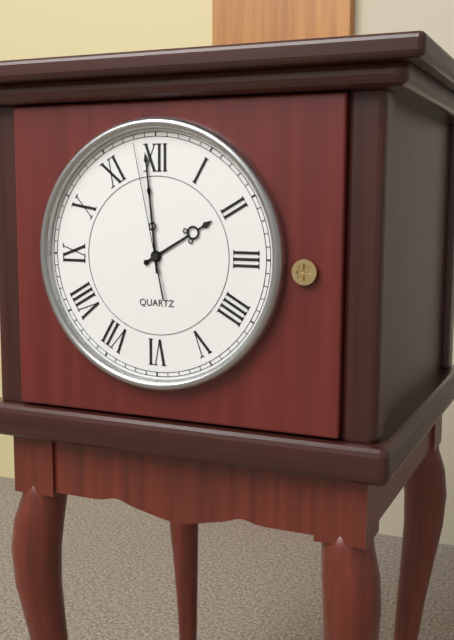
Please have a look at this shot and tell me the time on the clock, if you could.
1:59:58
